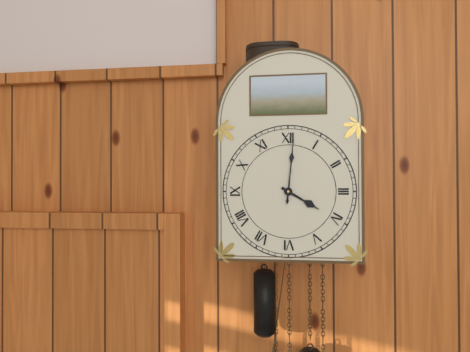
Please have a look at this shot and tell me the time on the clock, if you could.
4:01
